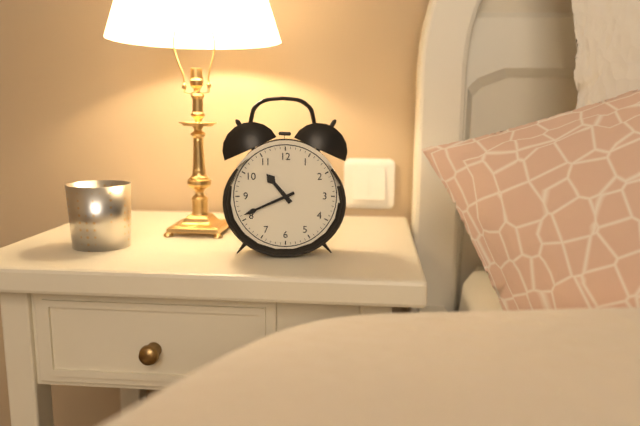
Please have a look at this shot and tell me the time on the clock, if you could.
10:41
